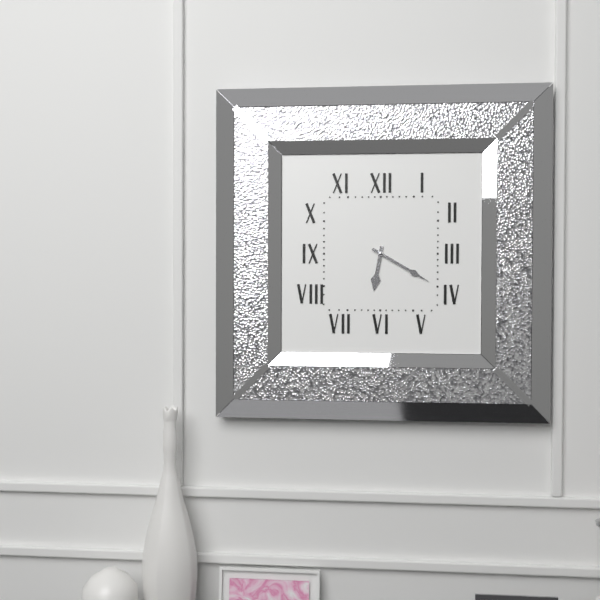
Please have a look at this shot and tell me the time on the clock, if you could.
6:20
